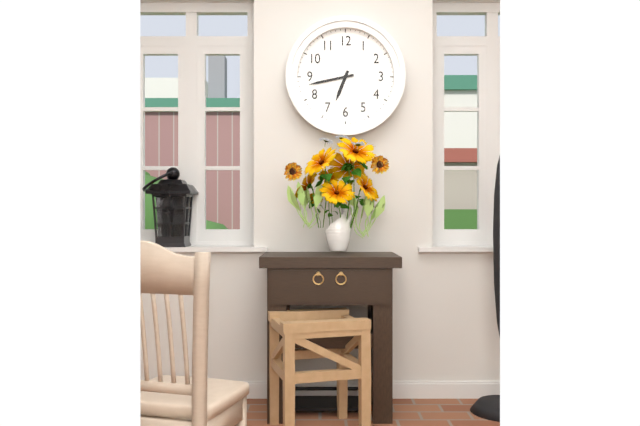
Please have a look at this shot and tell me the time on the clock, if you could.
6:43
